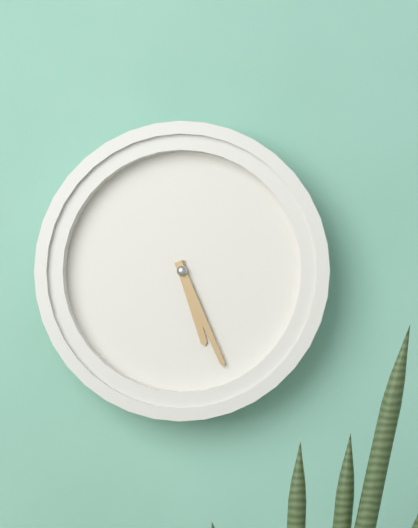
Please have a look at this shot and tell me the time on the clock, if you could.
5:26
